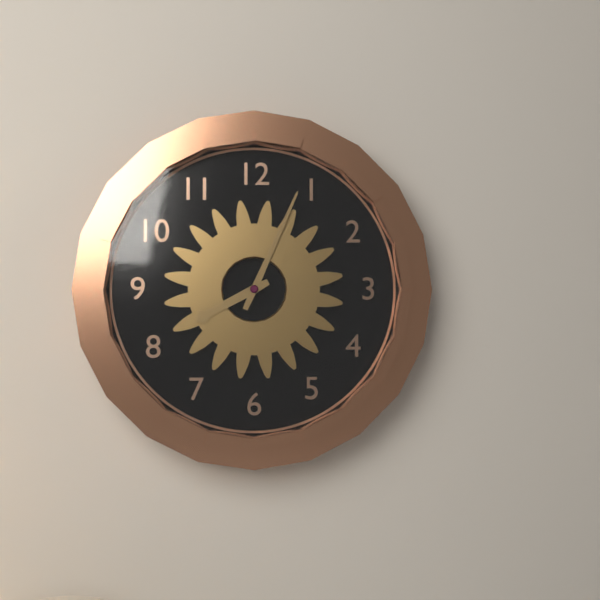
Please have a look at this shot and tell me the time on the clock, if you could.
8:04
